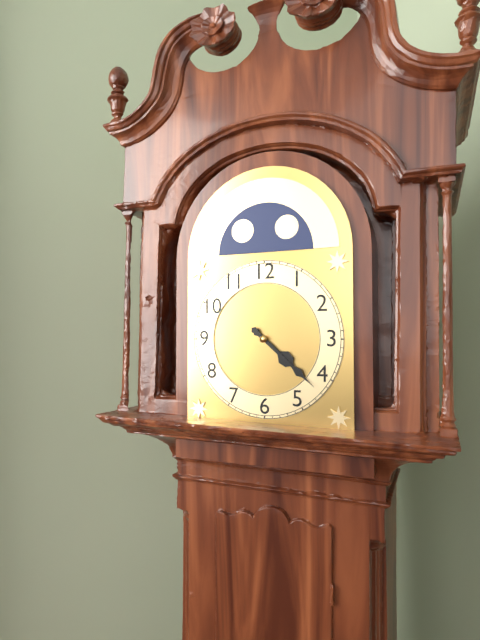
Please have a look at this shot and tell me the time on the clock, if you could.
4:22
